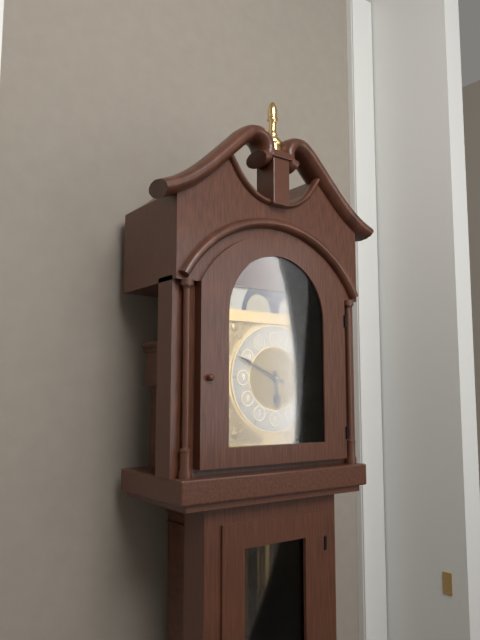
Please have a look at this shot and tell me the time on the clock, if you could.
5:49
